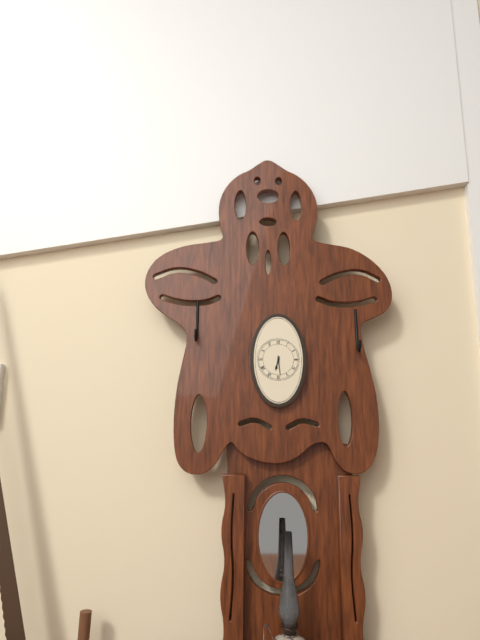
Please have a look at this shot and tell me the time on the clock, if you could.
6:29
